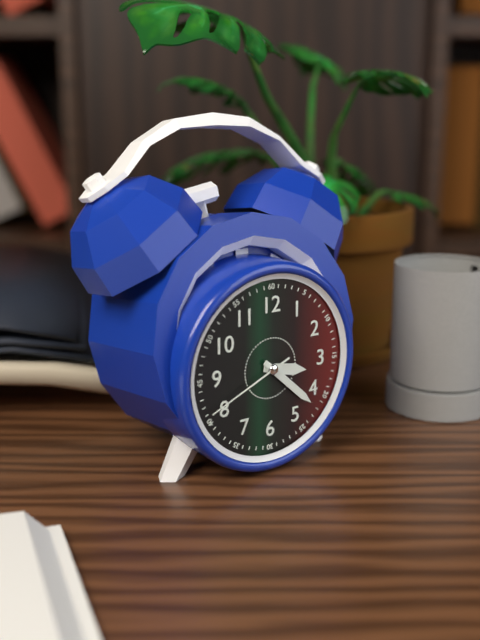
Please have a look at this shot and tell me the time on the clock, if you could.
3:22:41
